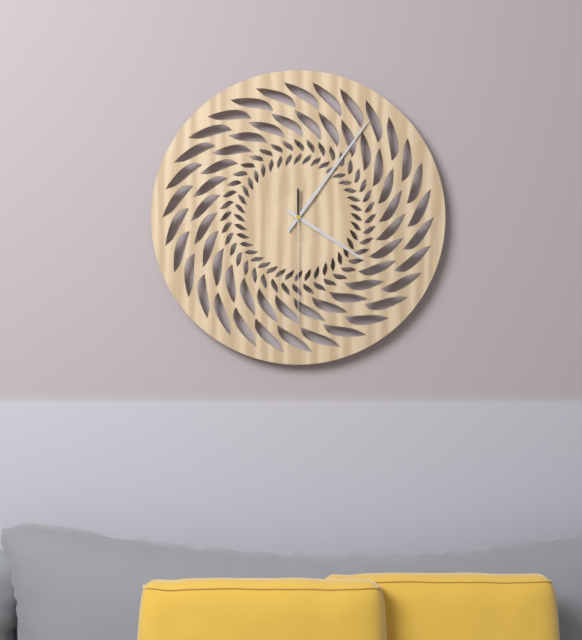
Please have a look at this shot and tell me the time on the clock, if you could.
4:06:30
